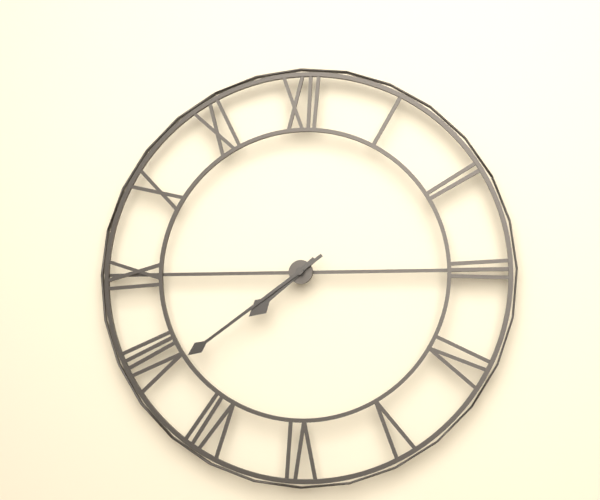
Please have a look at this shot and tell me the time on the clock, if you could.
7:39
